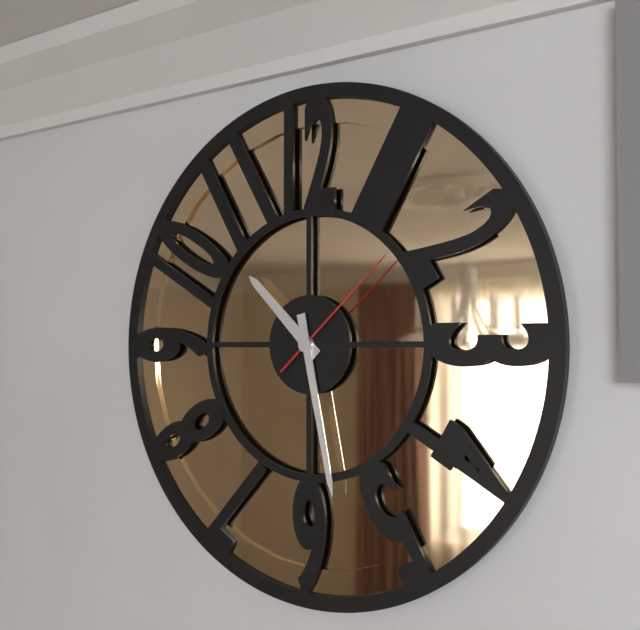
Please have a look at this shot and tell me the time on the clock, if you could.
10:28:08
